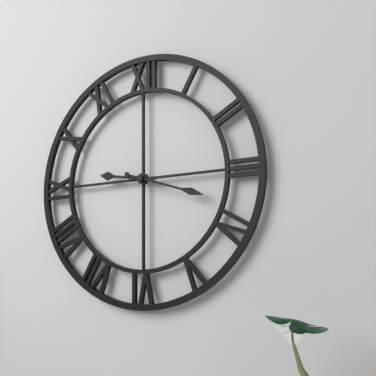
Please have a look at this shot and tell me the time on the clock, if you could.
9:18
